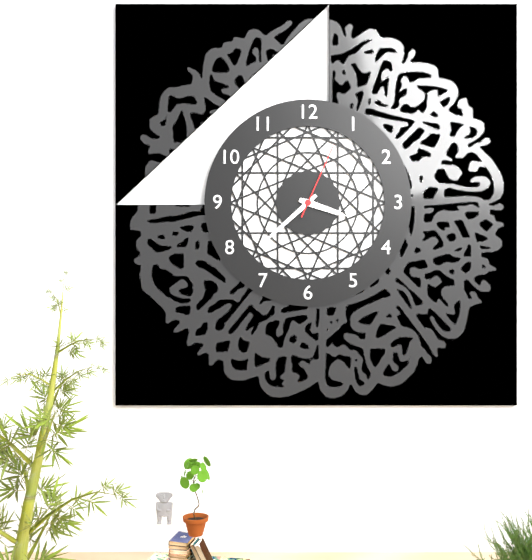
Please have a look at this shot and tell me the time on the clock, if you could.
3:38:04
